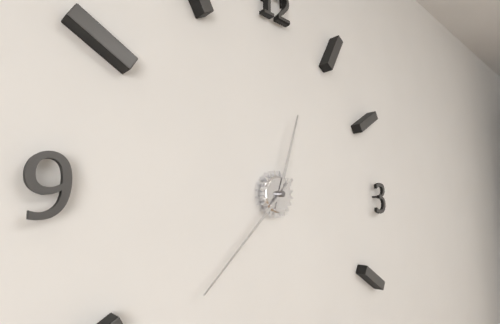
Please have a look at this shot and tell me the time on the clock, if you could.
12:38
